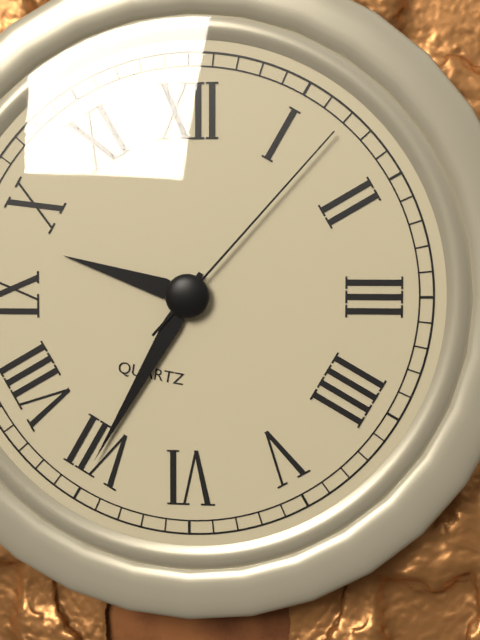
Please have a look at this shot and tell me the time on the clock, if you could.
9:35:07
